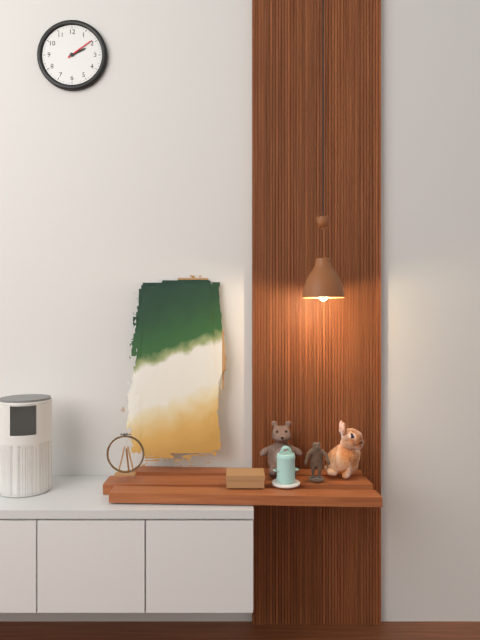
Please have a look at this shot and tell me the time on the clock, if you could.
2:09
